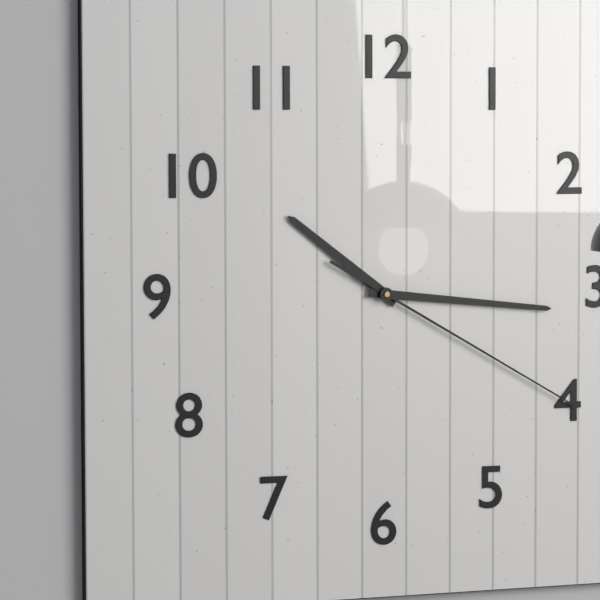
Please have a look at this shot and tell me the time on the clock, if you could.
10:16:20
